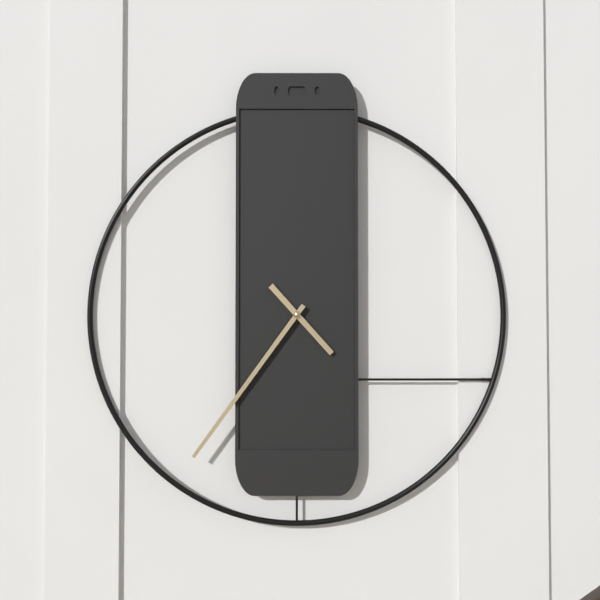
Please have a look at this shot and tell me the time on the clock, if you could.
4:36
